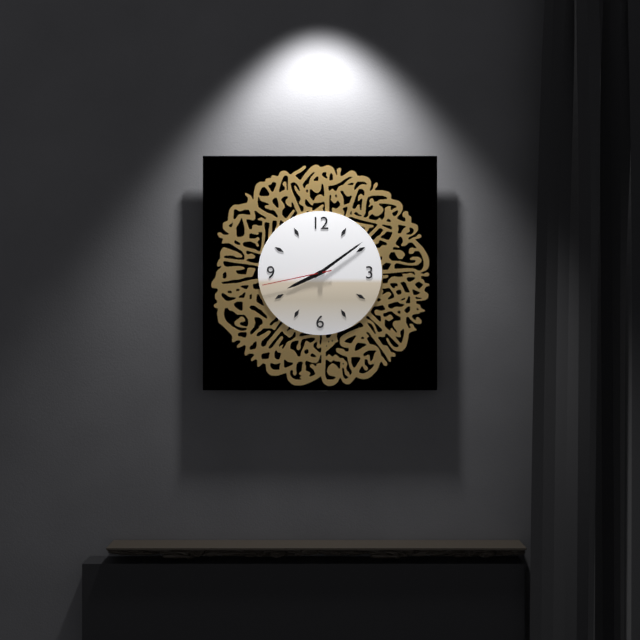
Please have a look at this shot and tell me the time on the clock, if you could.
8:09:43
